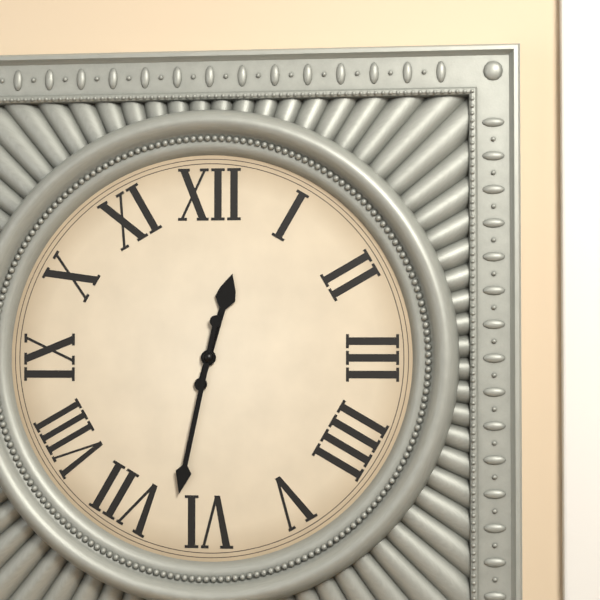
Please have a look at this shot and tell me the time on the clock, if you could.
12:32
